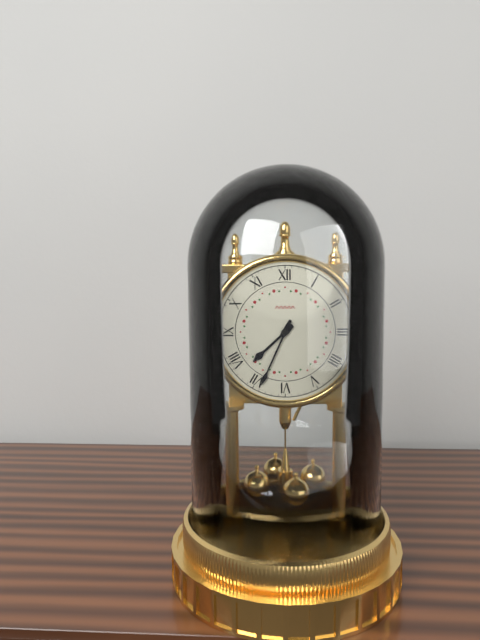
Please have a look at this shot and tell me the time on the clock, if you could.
7:34
